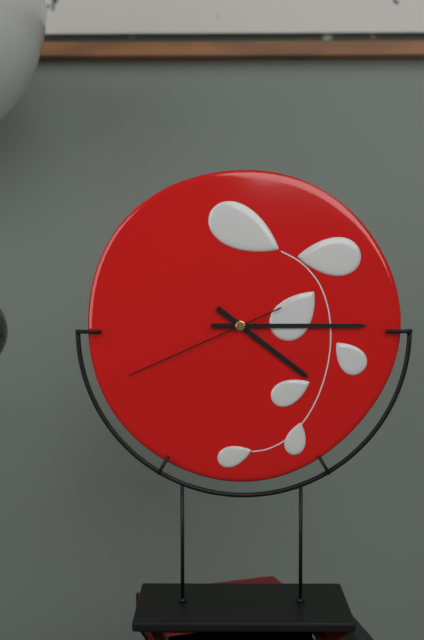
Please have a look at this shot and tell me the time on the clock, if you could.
4:15:41
